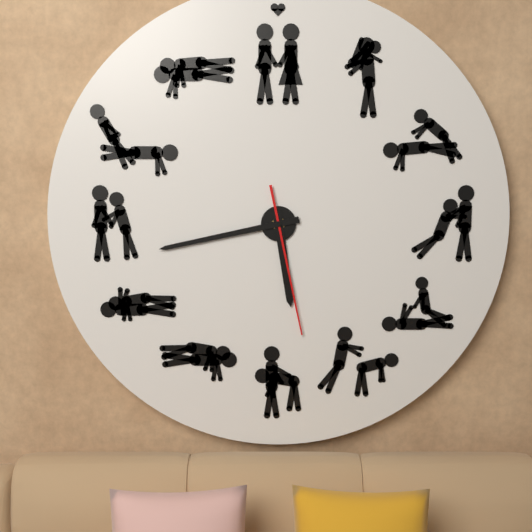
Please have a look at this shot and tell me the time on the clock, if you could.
5:43:28
